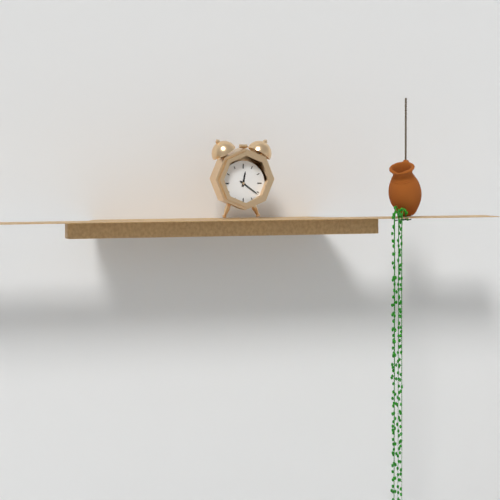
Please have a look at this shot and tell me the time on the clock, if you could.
12:21
